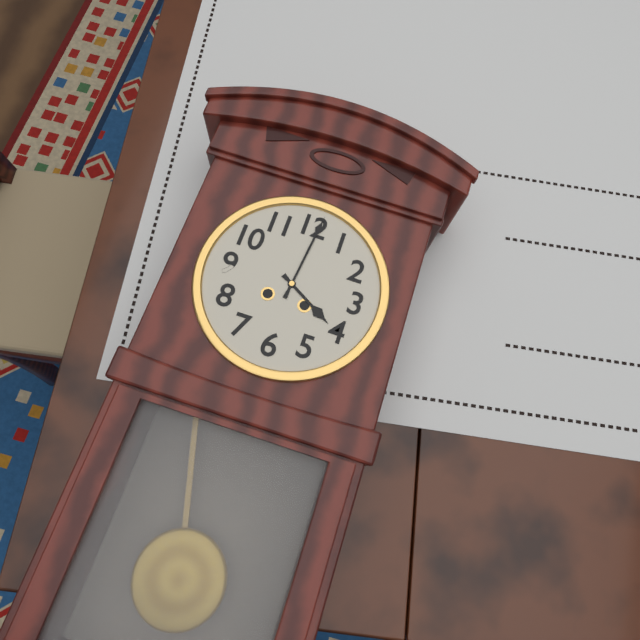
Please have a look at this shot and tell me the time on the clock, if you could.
4:01
